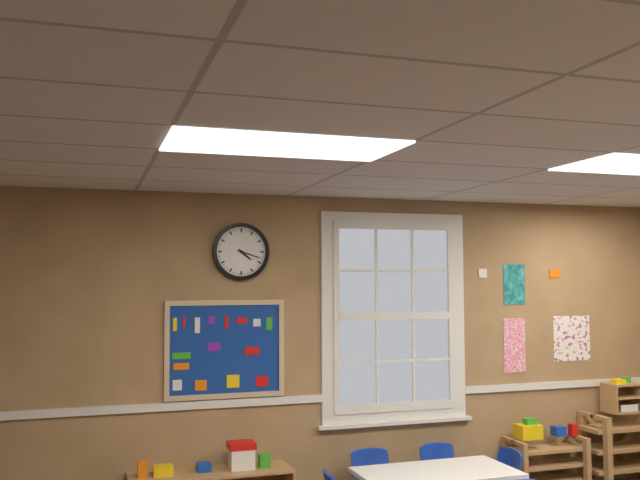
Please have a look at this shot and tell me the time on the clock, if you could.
4:18
